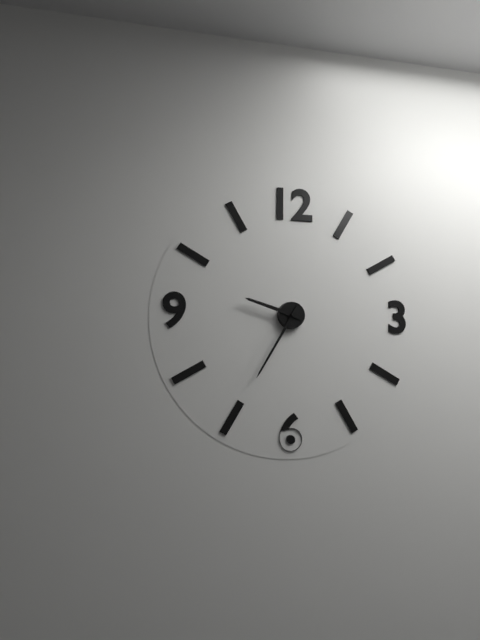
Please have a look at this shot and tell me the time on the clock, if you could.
9:35
